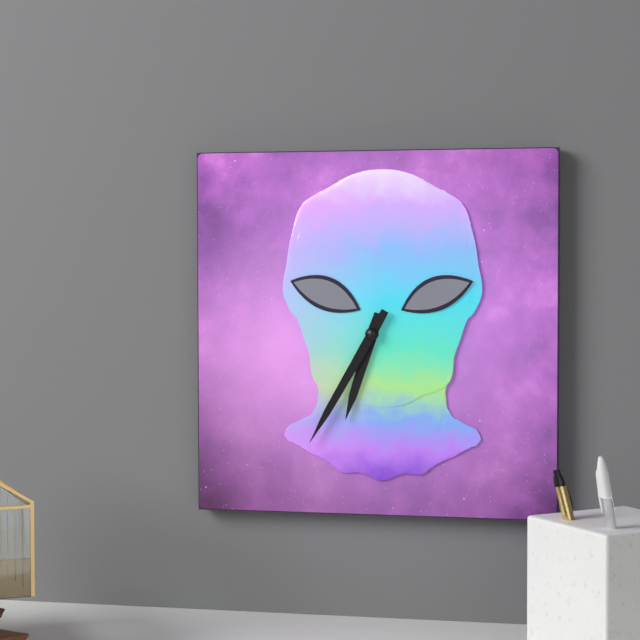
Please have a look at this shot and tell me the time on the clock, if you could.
6:35
